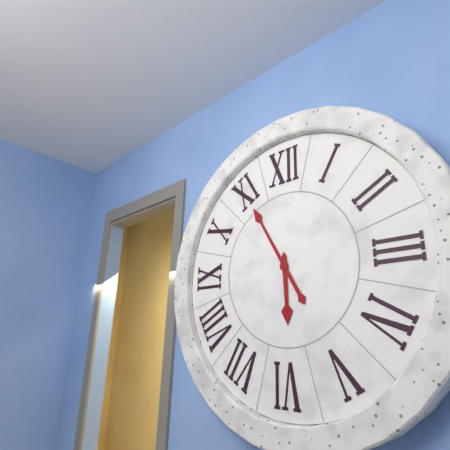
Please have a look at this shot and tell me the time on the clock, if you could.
5:55
